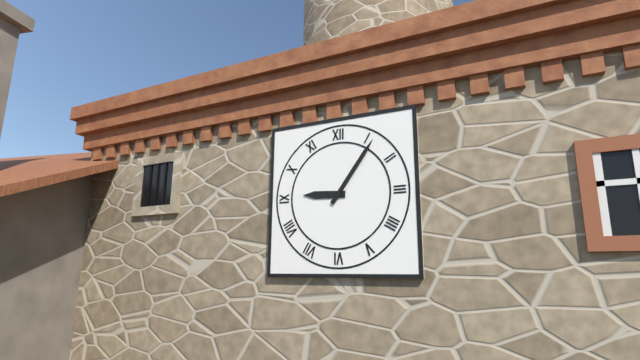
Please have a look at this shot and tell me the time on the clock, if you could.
9:06
